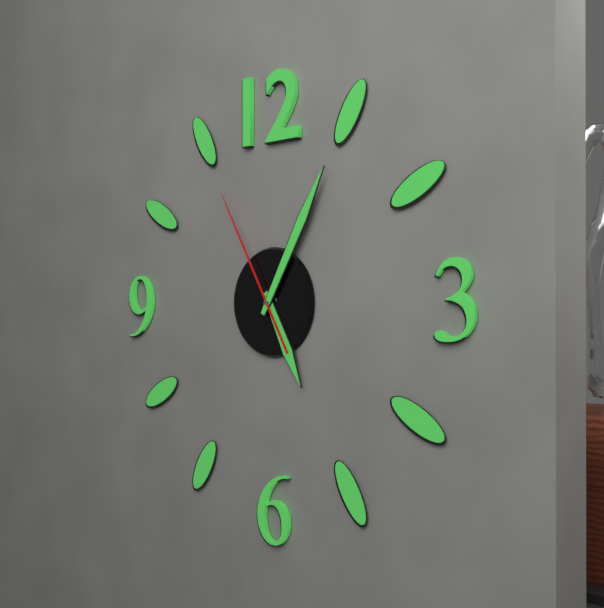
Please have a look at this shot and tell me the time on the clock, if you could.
5:05:55
